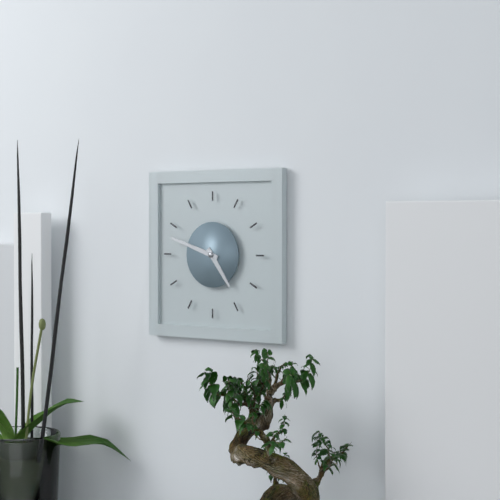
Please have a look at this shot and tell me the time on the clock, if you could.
4:48
